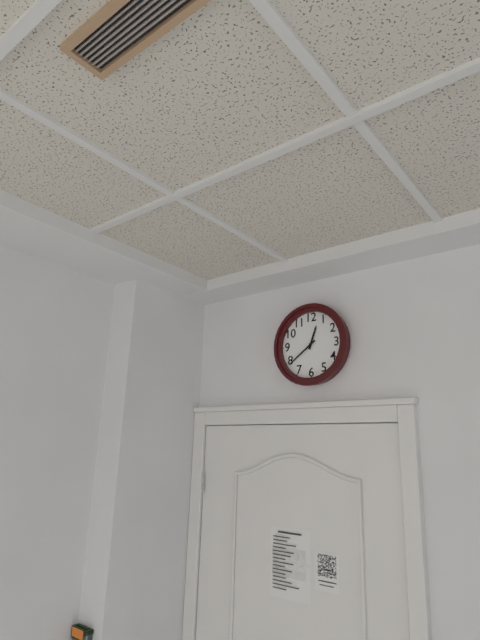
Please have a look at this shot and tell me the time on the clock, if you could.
12:39
